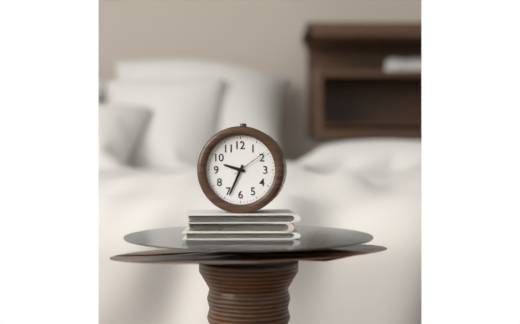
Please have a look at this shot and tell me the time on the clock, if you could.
9:34
